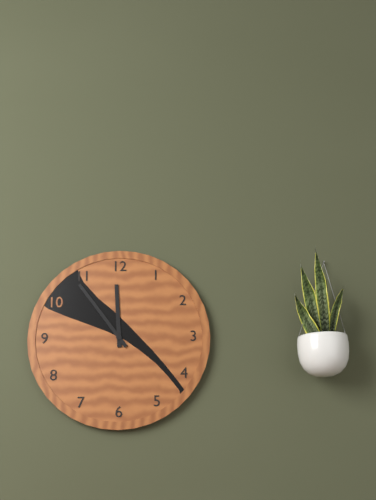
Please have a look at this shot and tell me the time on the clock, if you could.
11:54
